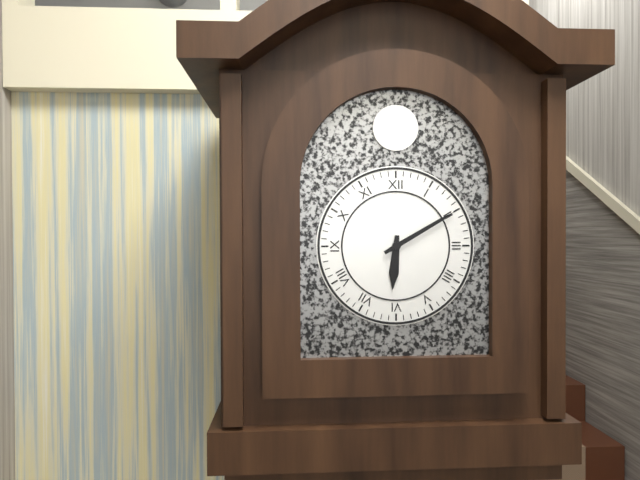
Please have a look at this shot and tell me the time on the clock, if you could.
6:10
